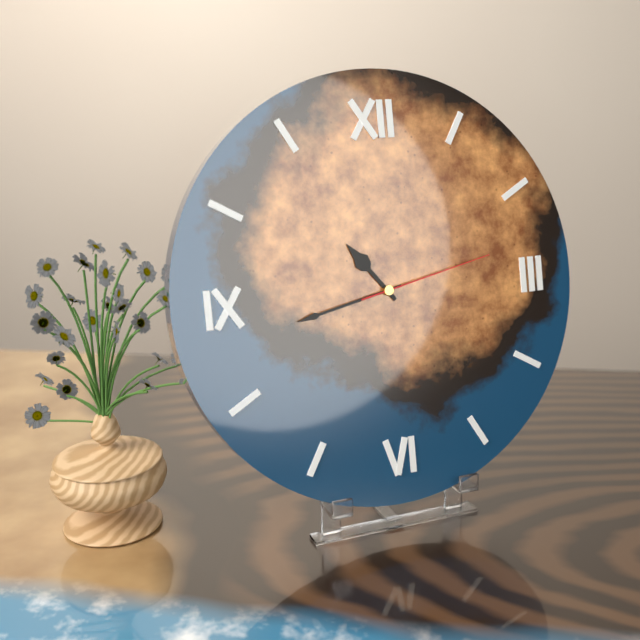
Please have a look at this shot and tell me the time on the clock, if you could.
10:43:13
